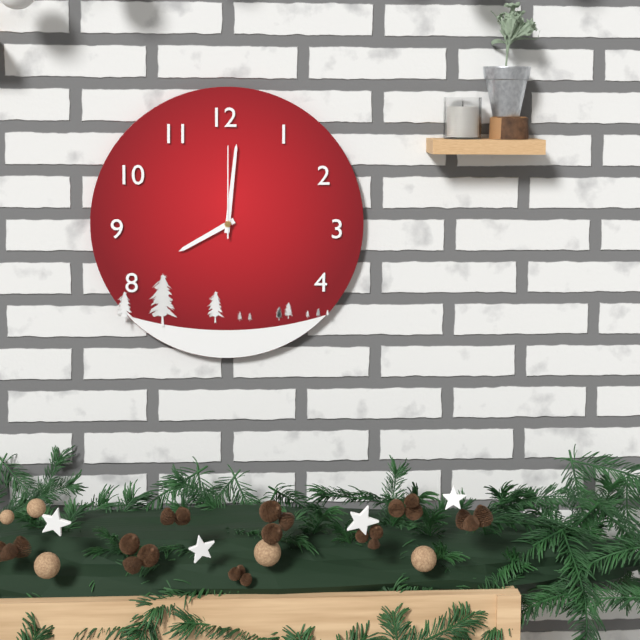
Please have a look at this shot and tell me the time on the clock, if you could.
8:01:00
